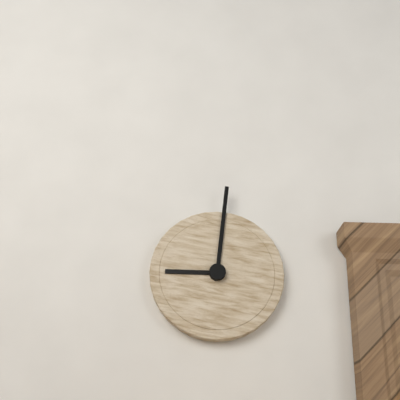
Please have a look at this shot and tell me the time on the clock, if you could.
9:01
